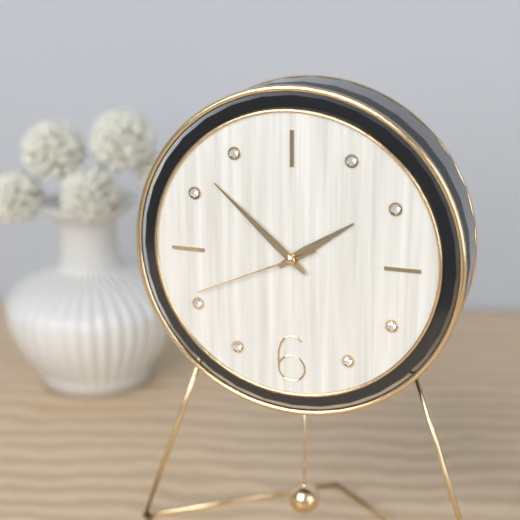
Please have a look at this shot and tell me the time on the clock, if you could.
1:52:41
